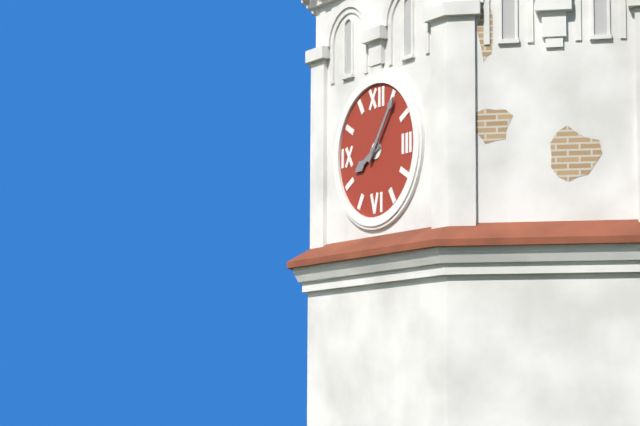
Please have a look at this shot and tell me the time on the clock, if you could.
8:06
